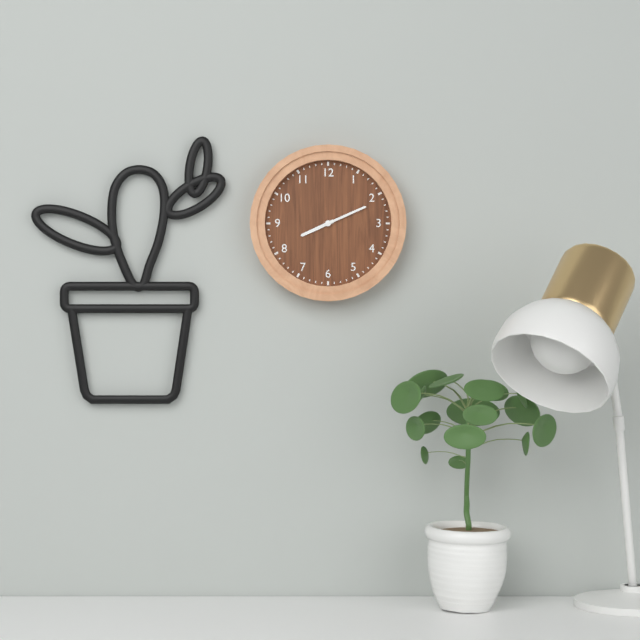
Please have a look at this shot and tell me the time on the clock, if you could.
8:11
